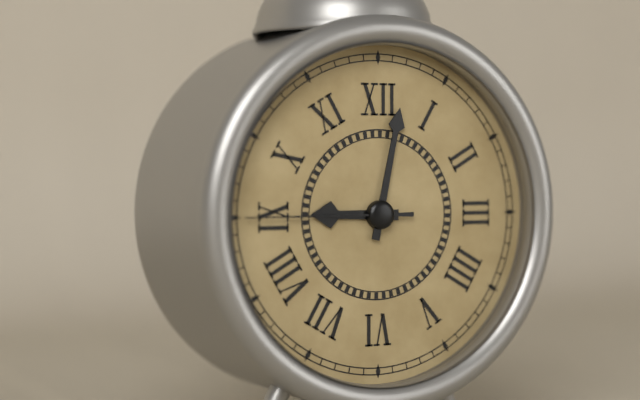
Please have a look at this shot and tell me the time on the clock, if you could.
9:02:45
